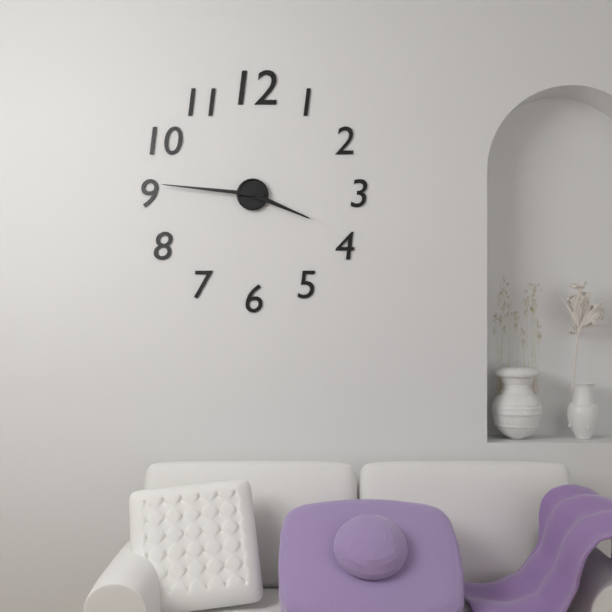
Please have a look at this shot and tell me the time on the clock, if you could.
3:46
